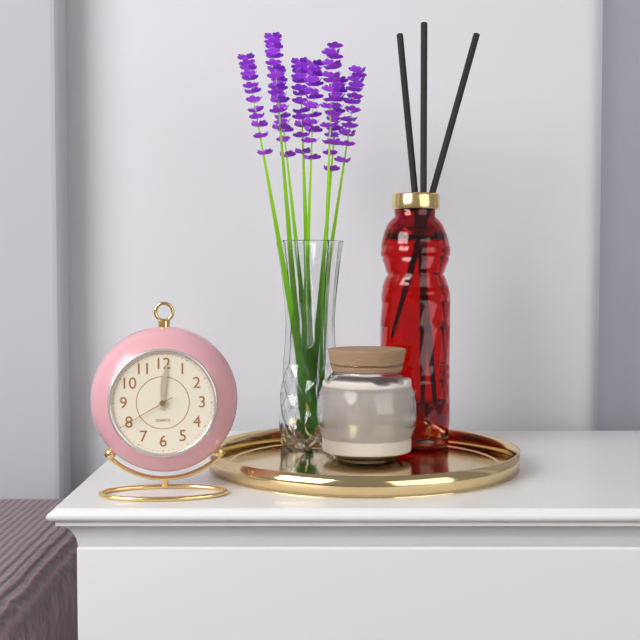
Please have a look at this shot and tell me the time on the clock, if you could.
12:01:40
